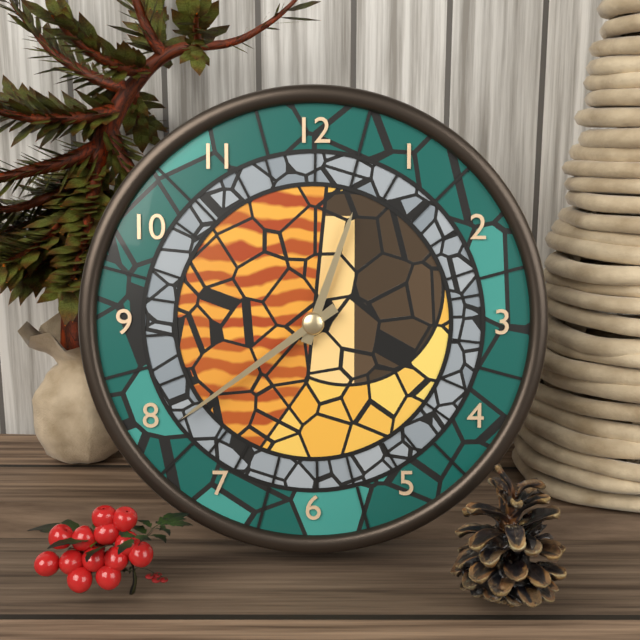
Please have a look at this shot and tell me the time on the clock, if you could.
12:39
